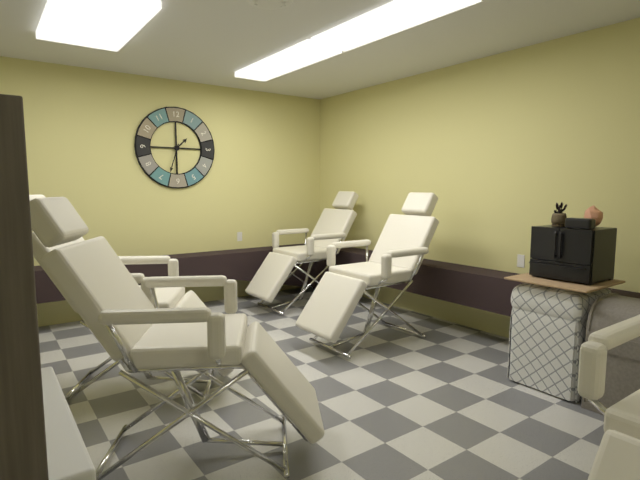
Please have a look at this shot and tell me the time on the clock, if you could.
1:33
